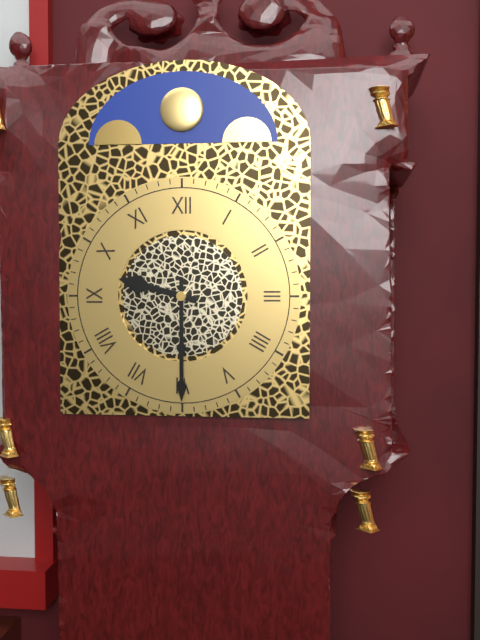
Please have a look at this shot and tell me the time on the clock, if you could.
9:30
